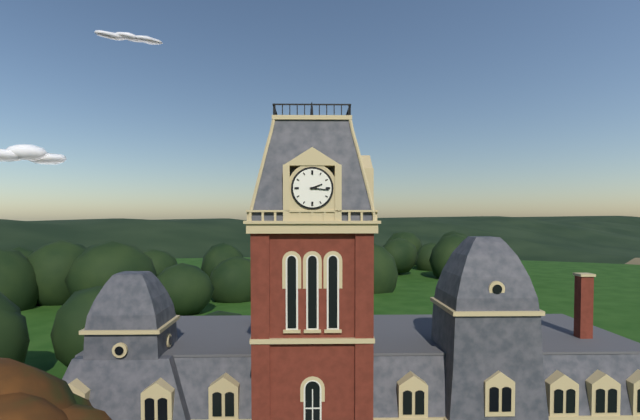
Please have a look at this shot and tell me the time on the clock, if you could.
2:16
